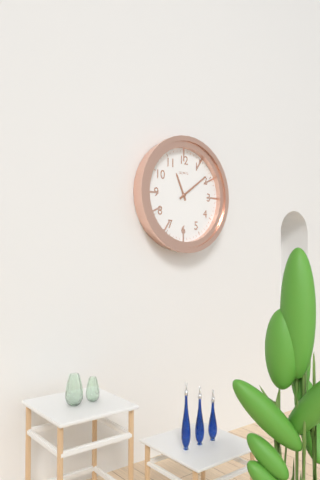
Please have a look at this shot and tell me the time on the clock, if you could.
11:09
